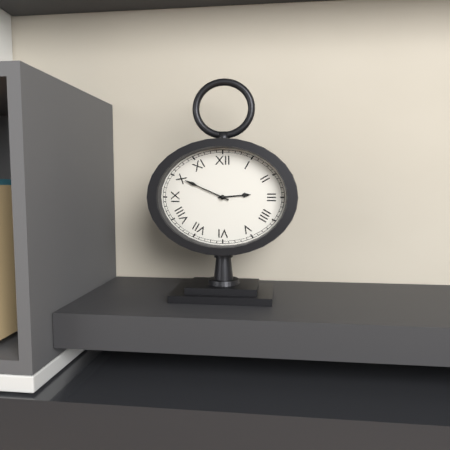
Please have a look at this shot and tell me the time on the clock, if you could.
2:49
